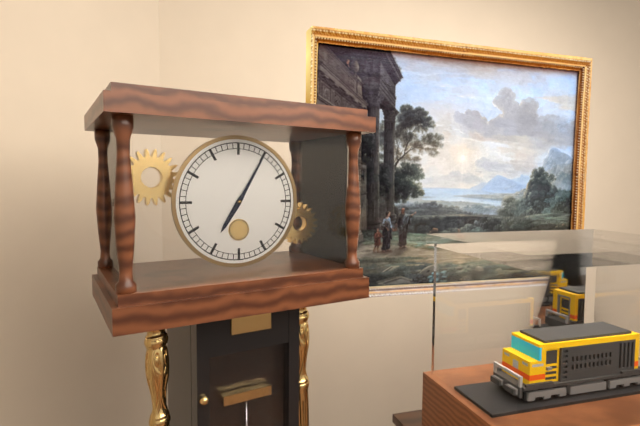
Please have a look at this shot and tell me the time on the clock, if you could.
7:05
